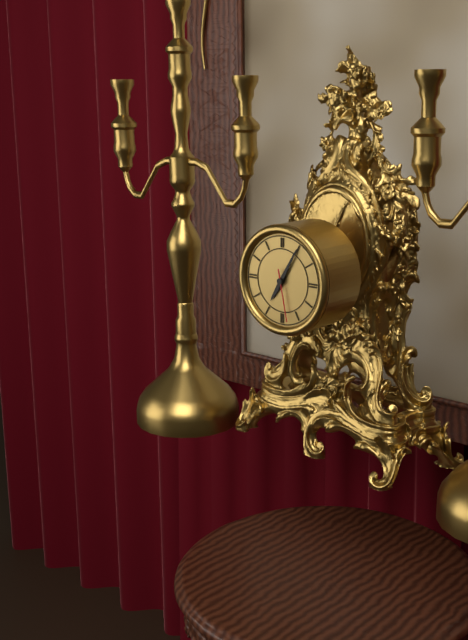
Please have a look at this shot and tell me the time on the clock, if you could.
7:05:28
